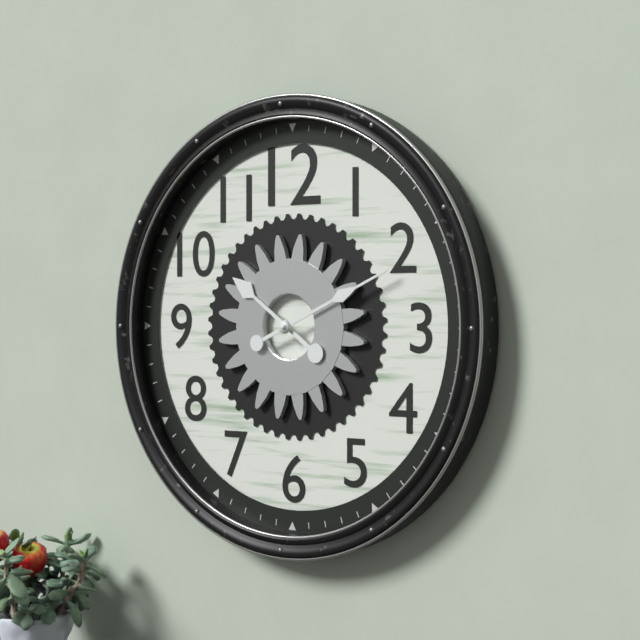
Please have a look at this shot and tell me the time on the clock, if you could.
10:11
